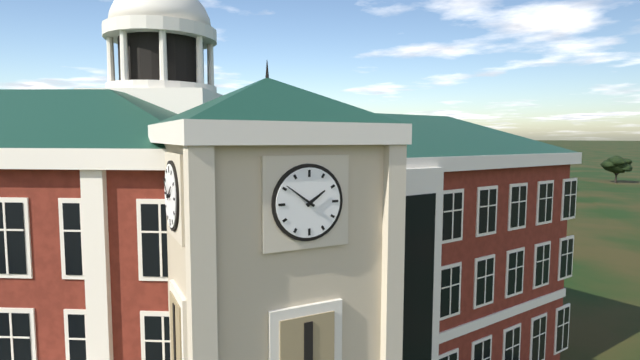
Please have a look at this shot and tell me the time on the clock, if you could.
1:51
